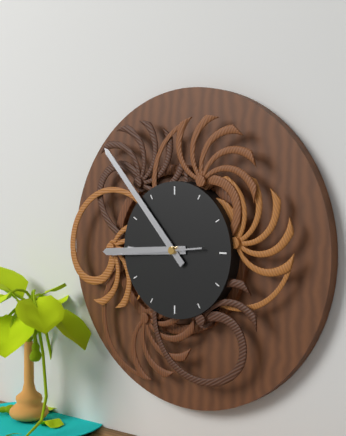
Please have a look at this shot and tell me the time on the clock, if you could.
8:53:44
